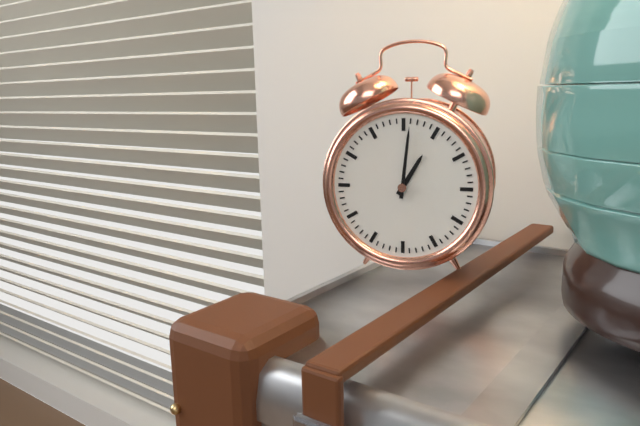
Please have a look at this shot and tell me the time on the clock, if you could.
1:01
